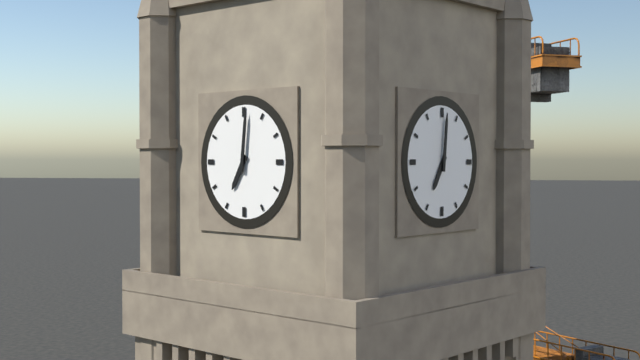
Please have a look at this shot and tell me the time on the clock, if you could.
7:01
